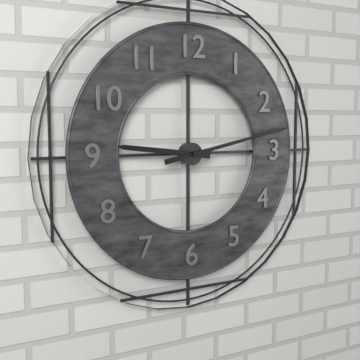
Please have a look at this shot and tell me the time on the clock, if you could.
9:13
